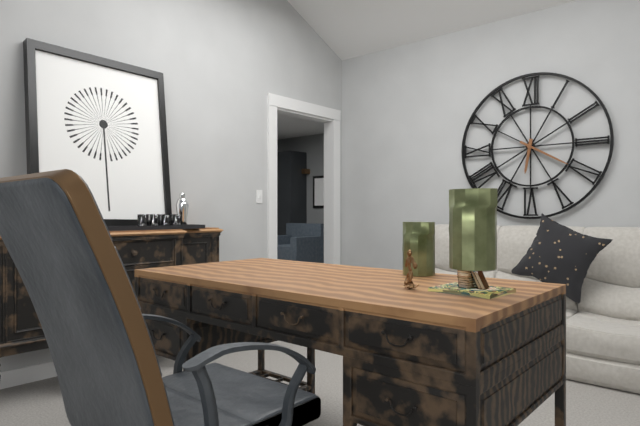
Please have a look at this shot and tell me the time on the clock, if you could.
6:20
